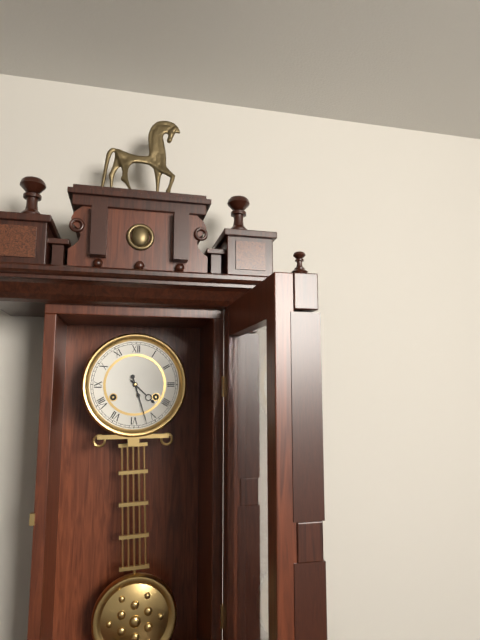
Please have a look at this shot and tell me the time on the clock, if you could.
4:27
